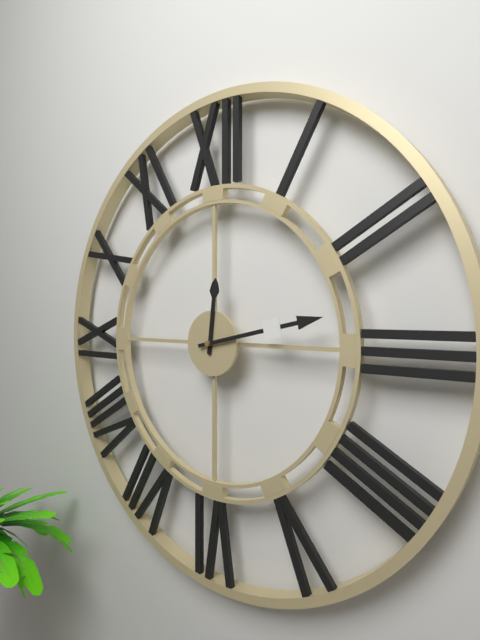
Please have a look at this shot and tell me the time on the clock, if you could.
12:13
